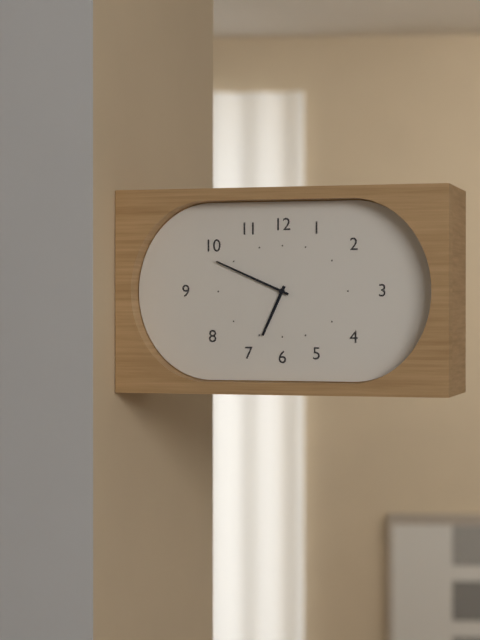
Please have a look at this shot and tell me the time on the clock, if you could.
6:49
